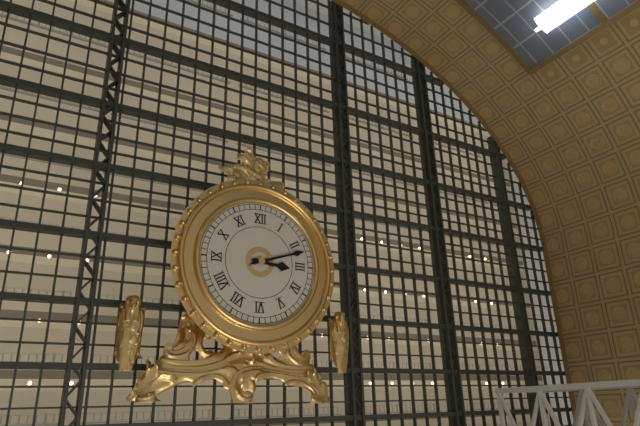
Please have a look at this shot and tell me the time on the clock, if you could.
3:12
